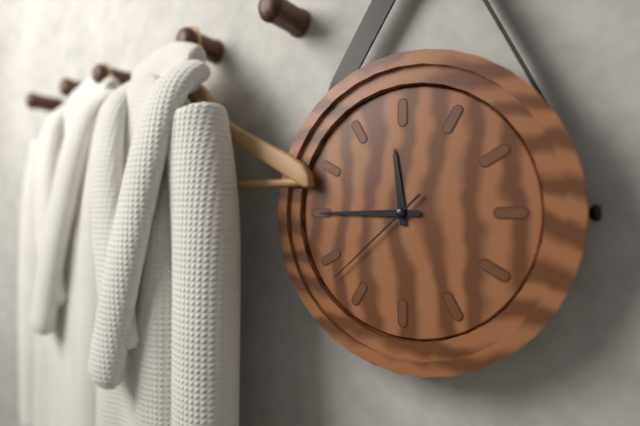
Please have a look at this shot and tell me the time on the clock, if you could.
11:45:38
